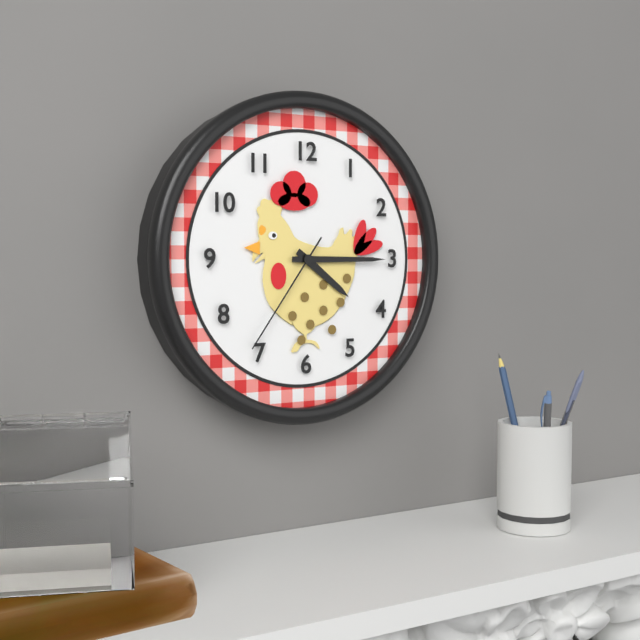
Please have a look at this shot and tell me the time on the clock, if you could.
4:15:36
